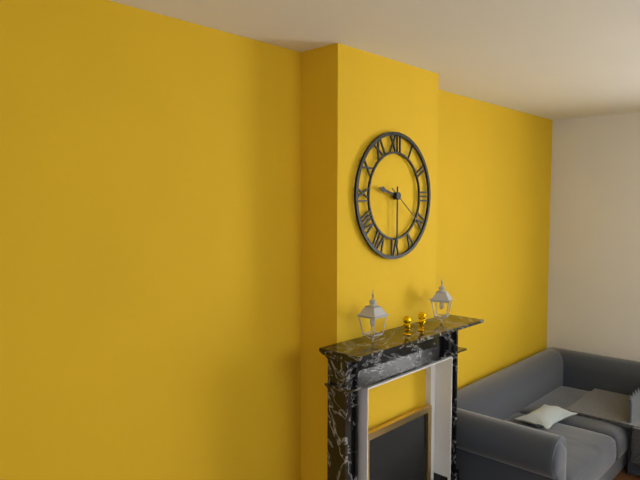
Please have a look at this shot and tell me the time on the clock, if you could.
9:30:21
